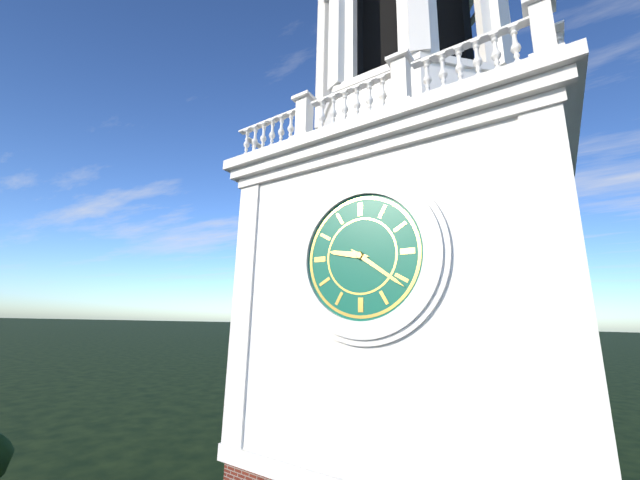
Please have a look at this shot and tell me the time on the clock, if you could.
9:21
